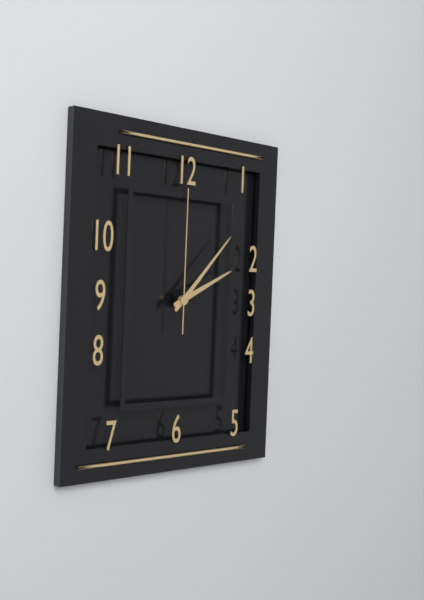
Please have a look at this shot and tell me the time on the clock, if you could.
2:07:00
